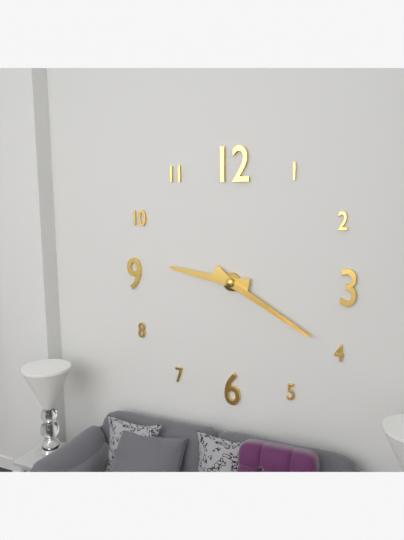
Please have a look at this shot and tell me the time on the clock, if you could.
9:20
